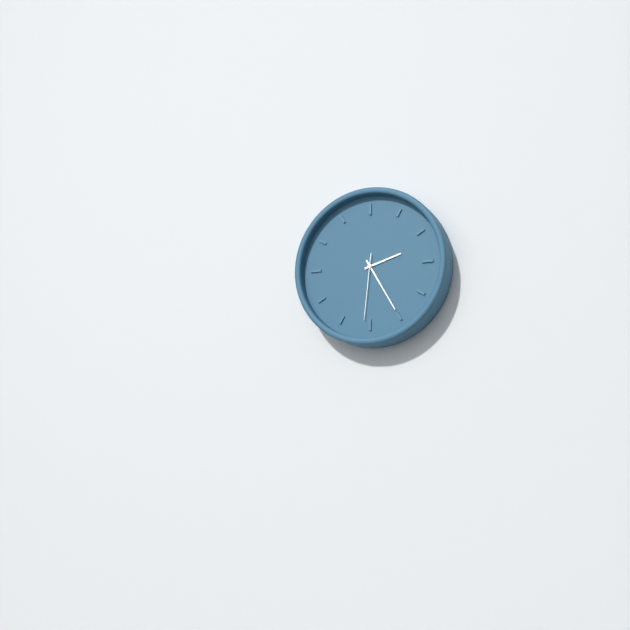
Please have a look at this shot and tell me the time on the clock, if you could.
2:25:31
